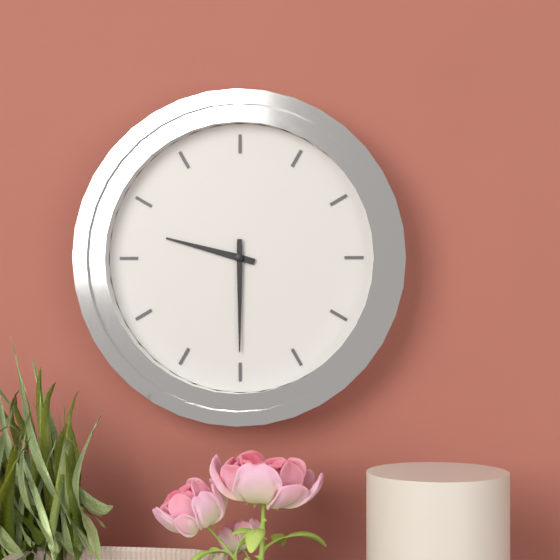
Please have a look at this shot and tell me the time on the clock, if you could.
9:30
